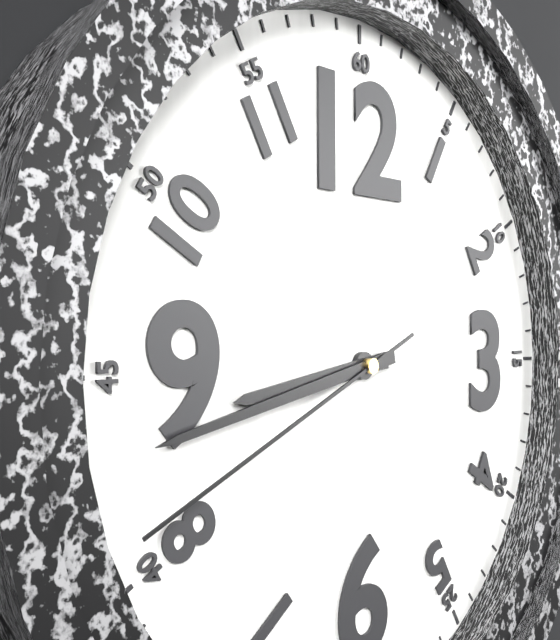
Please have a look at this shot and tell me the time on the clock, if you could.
8:43:41
